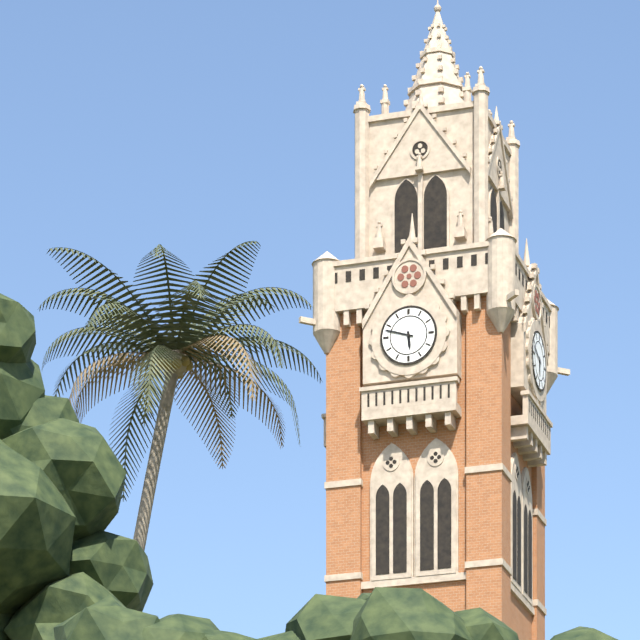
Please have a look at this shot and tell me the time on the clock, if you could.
5:48
